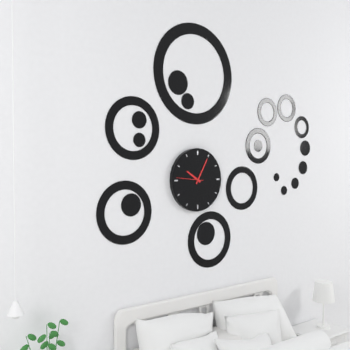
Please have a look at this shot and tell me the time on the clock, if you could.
10:05
